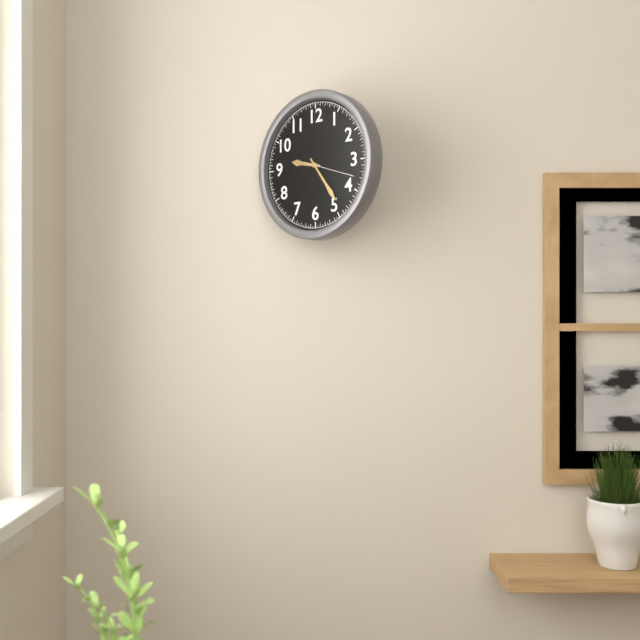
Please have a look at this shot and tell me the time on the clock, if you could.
9:24
